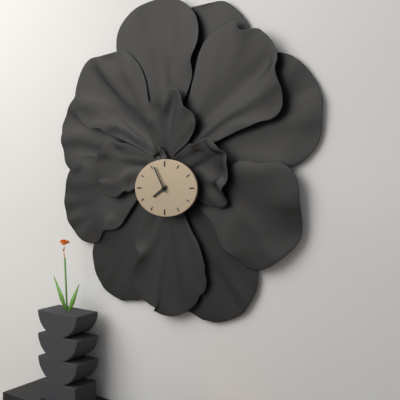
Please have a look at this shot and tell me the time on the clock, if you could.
7:55
